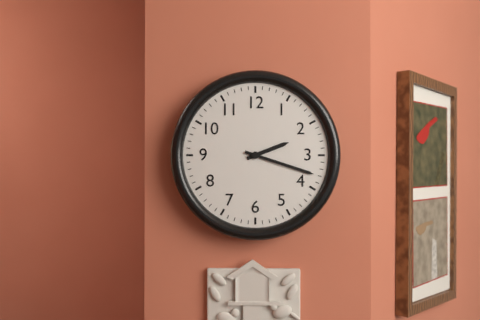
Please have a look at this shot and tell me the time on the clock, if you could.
2:18
